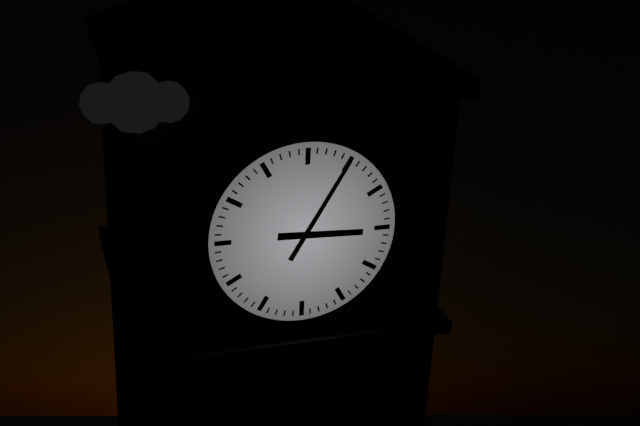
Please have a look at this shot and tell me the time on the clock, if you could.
3:05
